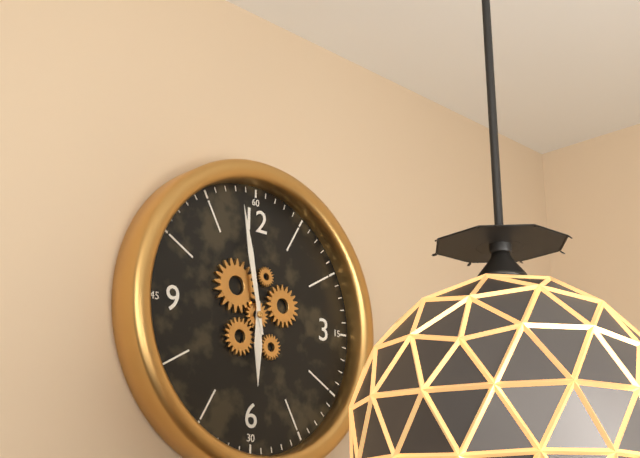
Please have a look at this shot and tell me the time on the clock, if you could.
5:58
